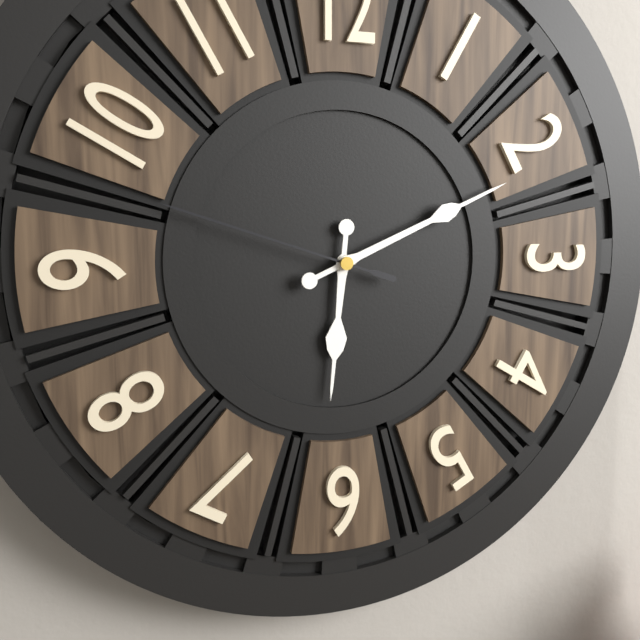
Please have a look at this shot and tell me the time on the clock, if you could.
6:11:48
